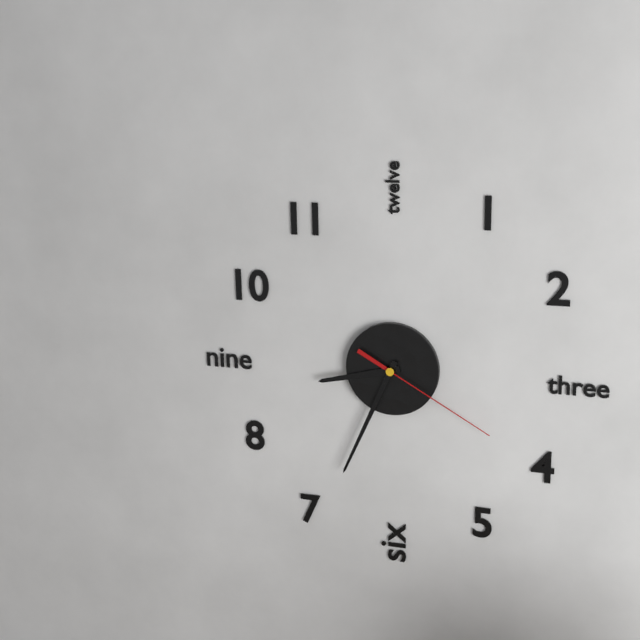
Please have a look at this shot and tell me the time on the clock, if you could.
8:34:20
